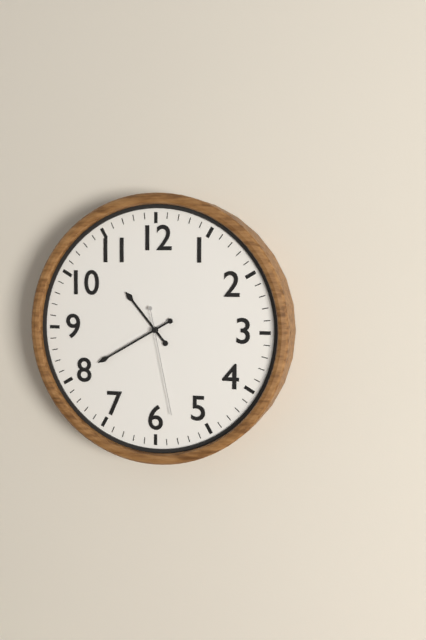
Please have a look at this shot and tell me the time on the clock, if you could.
10:40:28
